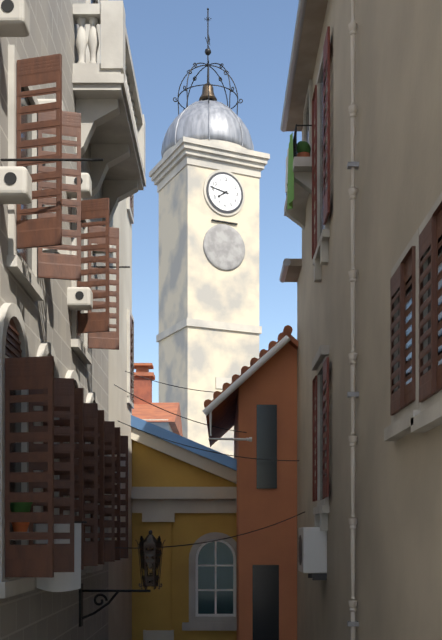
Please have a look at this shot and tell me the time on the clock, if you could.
7:47
